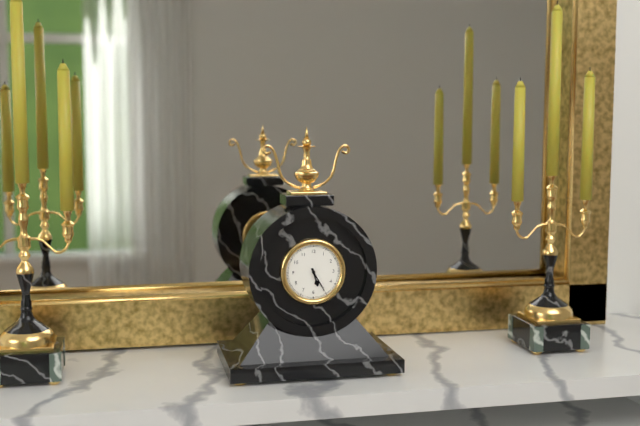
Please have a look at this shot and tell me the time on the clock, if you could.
5:25
